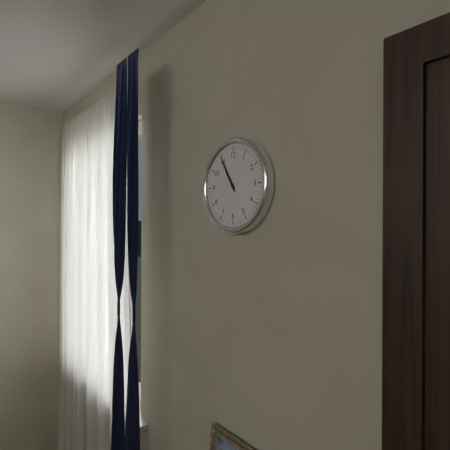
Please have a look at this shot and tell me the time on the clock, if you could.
10:55
